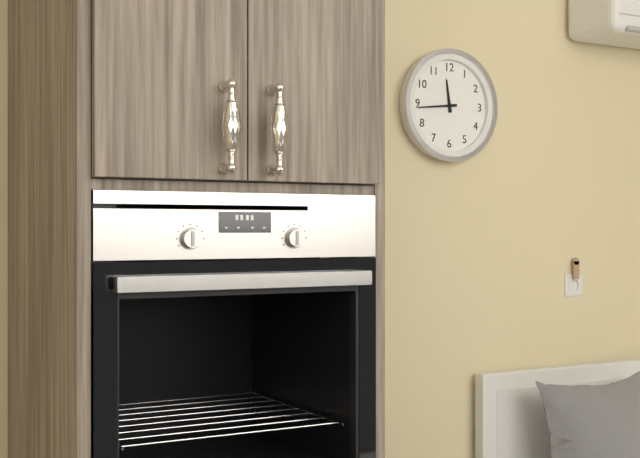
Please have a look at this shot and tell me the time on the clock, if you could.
11:44
